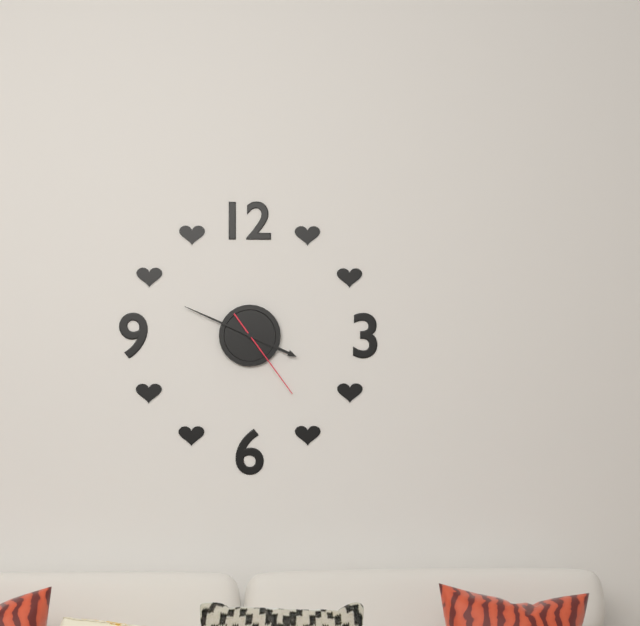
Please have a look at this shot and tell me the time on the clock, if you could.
3:49:24
